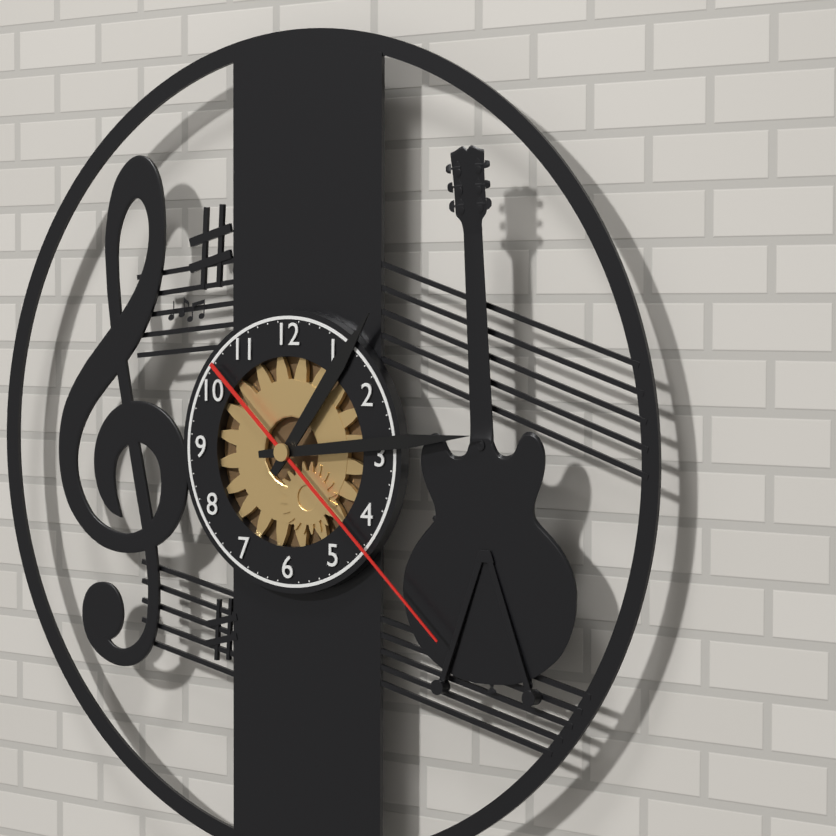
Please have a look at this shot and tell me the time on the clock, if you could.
1:14:22
